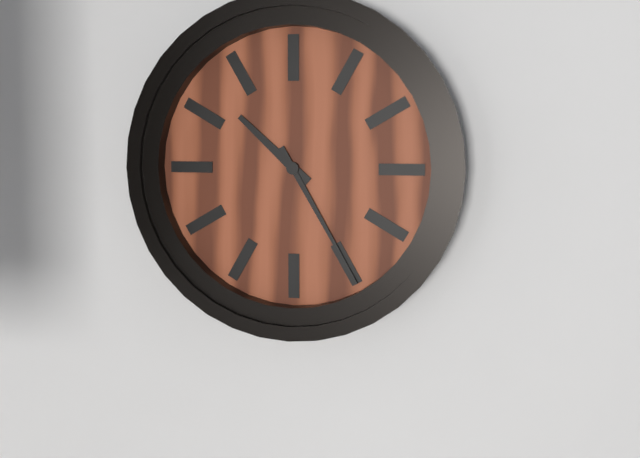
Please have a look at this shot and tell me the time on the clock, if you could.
10:25
